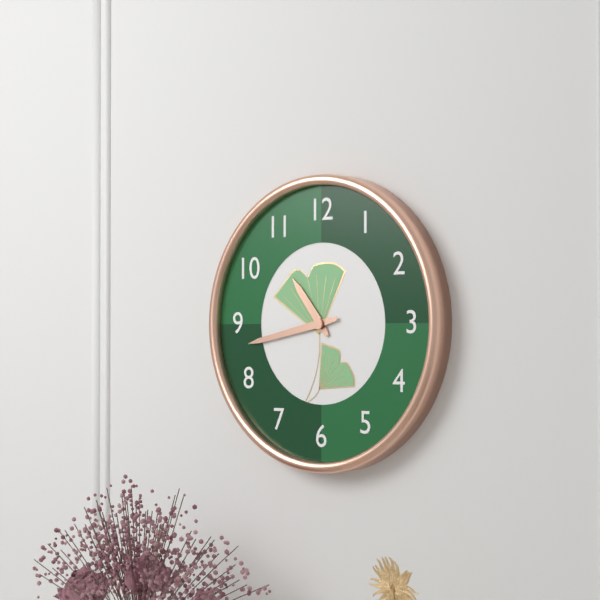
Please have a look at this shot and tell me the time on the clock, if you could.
10:43
